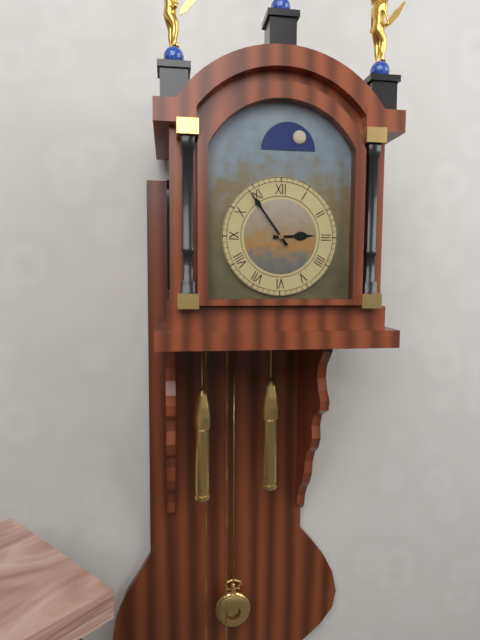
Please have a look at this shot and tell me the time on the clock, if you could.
2:54
